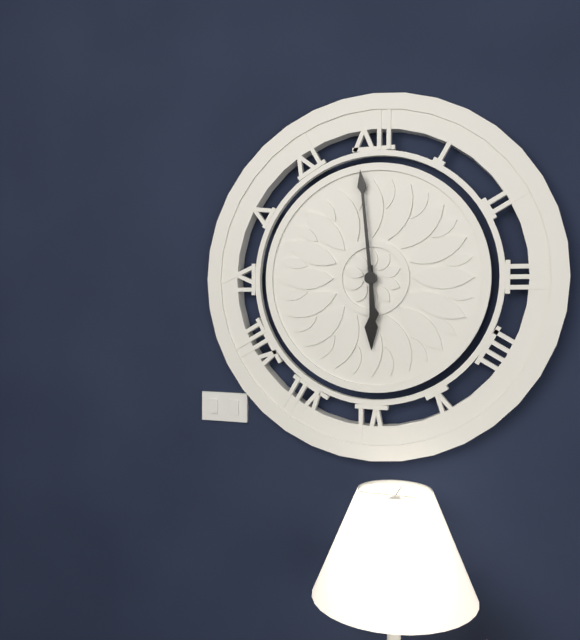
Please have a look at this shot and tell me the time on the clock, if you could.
5:59
